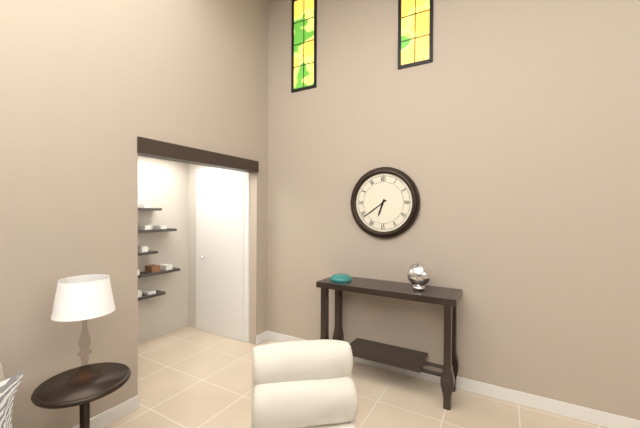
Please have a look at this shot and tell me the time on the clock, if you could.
6:39
